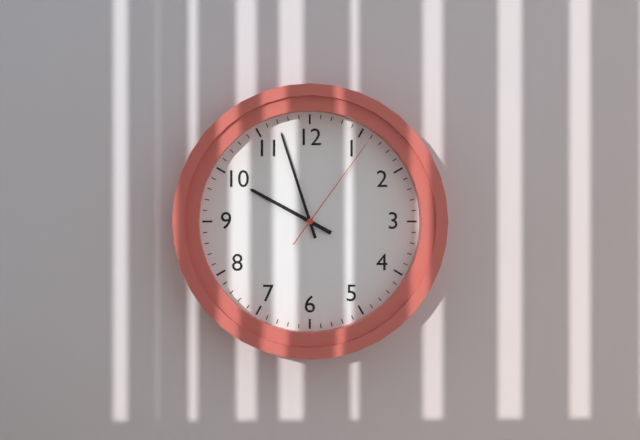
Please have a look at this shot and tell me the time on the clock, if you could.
9:57:06
